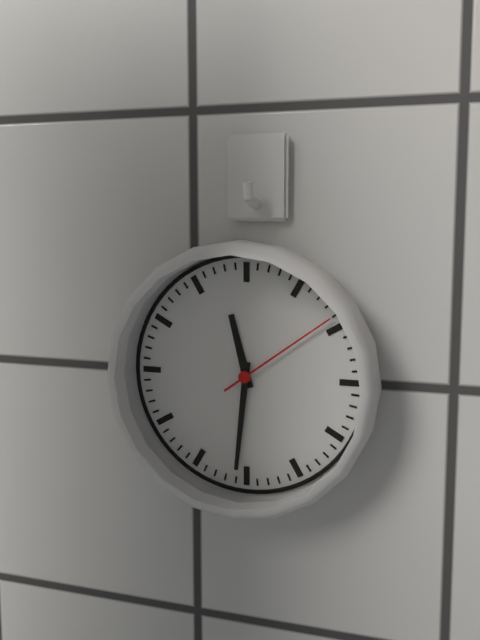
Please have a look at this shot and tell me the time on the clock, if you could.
11:31:09
